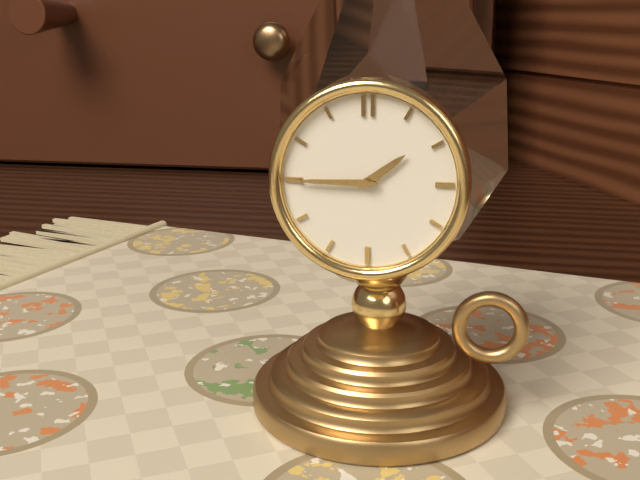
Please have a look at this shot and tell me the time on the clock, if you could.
1:45
